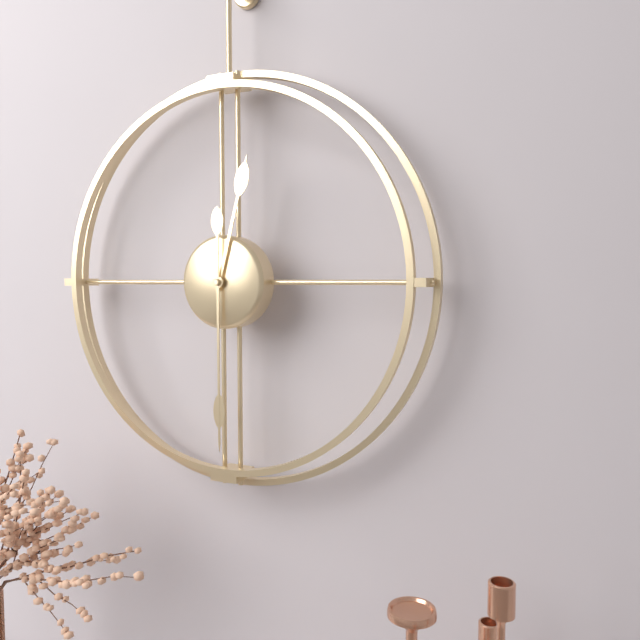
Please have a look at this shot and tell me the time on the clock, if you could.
12:30
